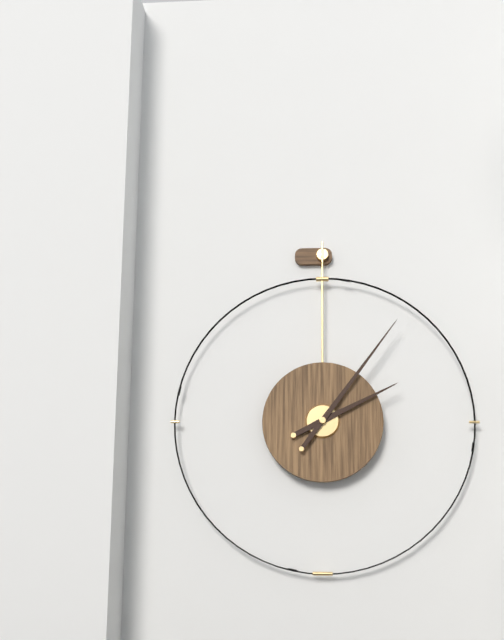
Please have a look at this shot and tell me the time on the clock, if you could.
2:06
